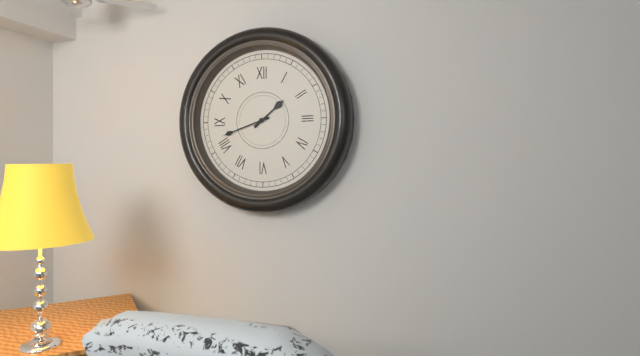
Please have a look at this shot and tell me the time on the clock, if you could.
1:42
